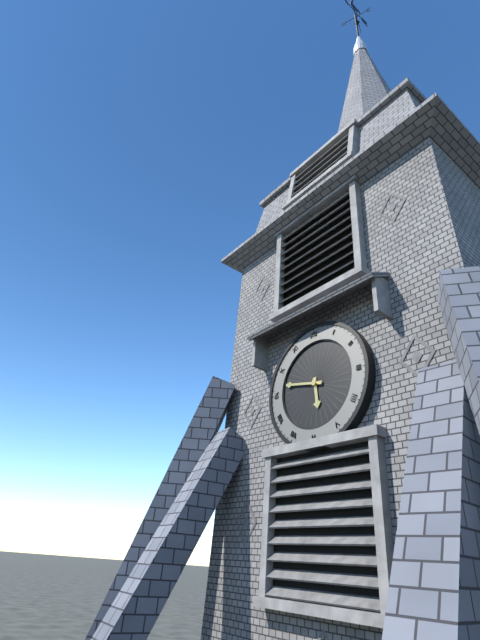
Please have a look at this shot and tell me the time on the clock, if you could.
5:47
